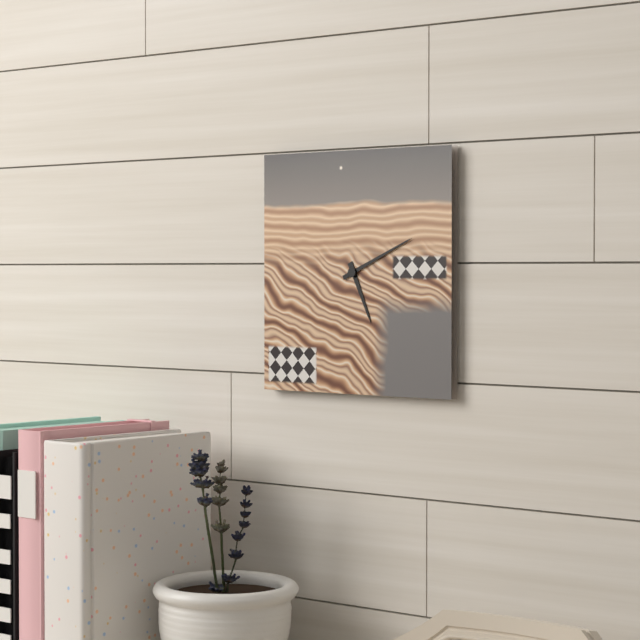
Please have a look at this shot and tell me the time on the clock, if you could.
5:11
